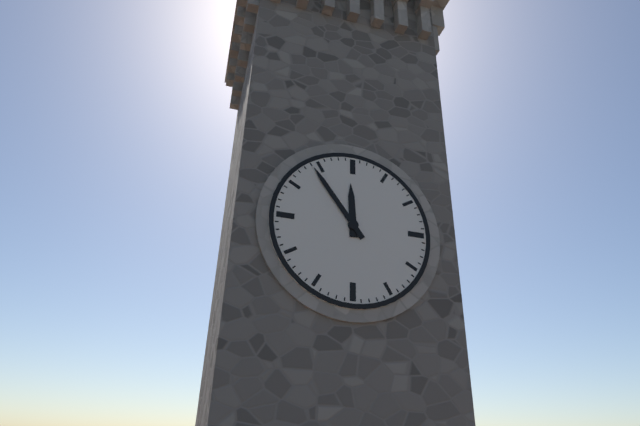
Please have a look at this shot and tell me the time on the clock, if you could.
11:54
